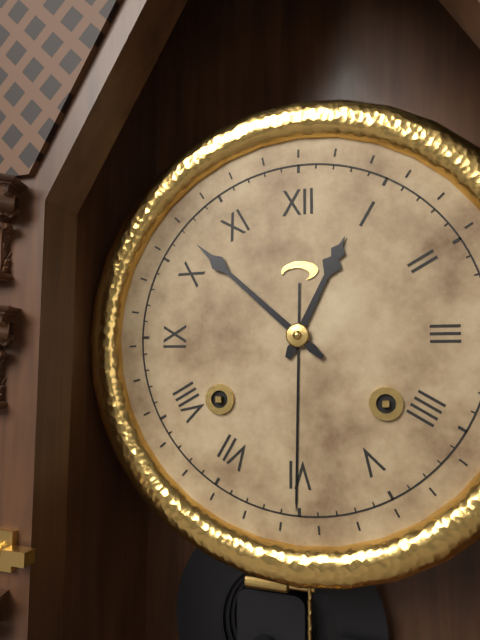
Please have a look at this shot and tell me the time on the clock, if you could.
12:52
